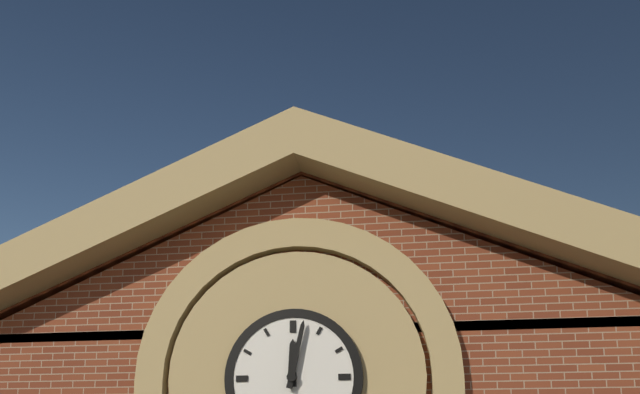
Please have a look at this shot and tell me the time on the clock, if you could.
12:02
